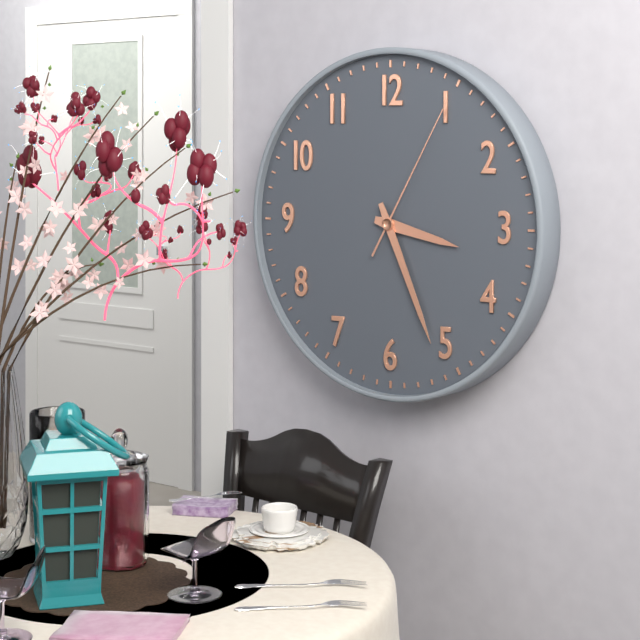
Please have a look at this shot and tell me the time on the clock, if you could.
3:26:05
